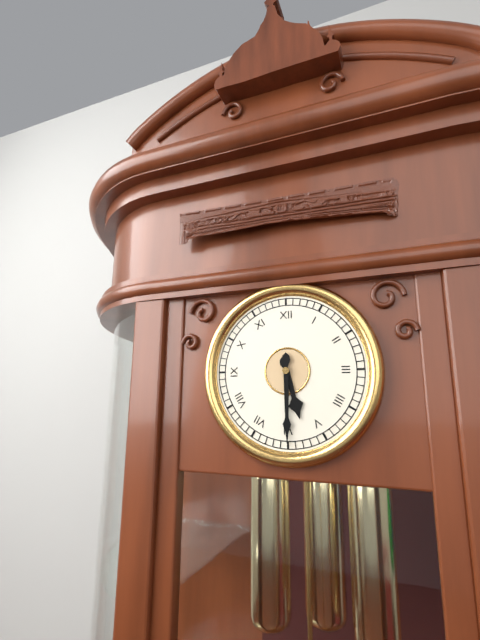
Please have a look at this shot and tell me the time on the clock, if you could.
5:30
